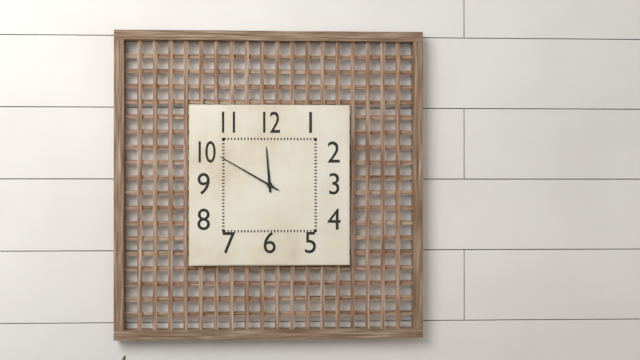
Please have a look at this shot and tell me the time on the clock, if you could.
11:50
